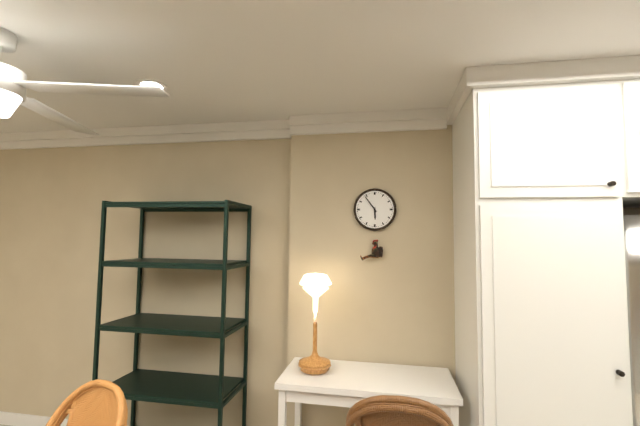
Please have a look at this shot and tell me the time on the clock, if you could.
5:54
